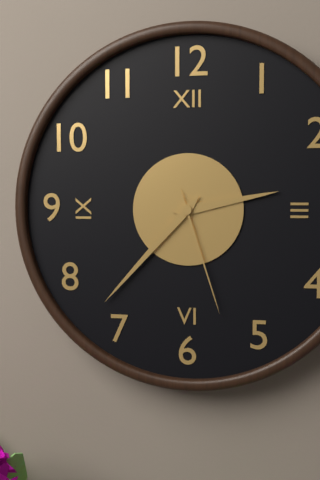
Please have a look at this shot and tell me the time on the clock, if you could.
2:37:27
